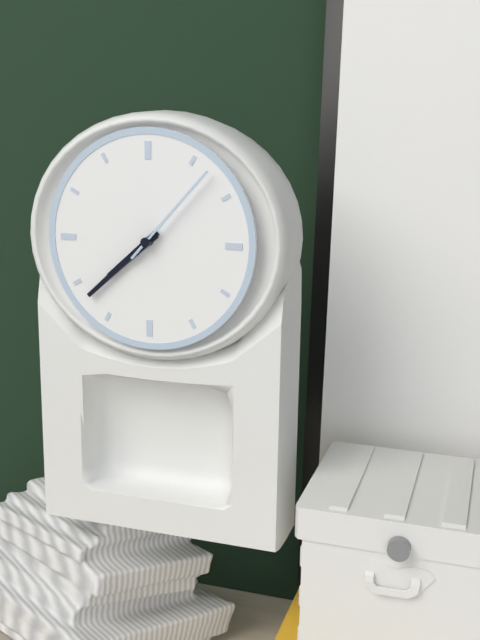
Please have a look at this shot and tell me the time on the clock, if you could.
7:38:07
